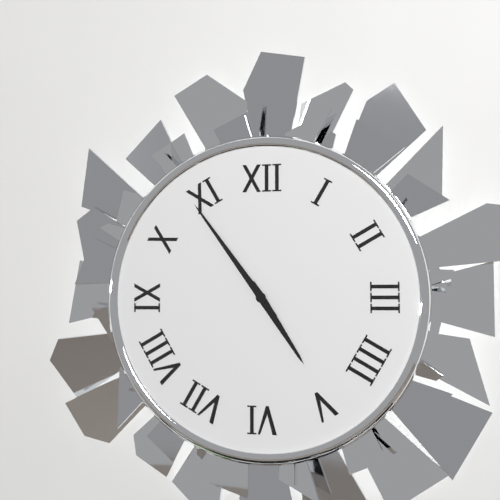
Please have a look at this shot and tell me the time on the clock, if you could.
4:54
